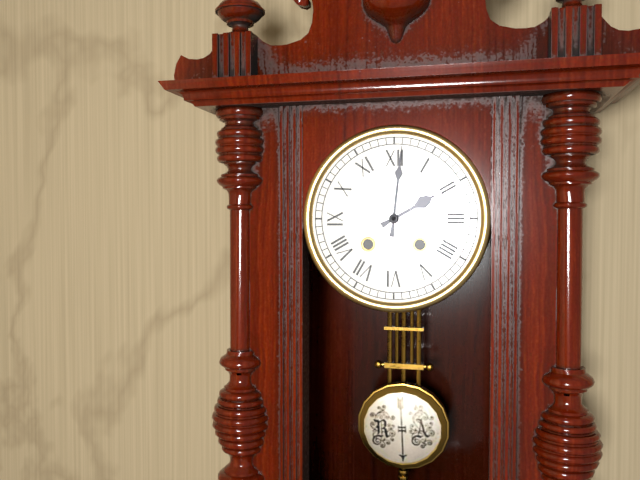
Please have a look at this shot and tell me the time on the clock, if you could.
2:01
